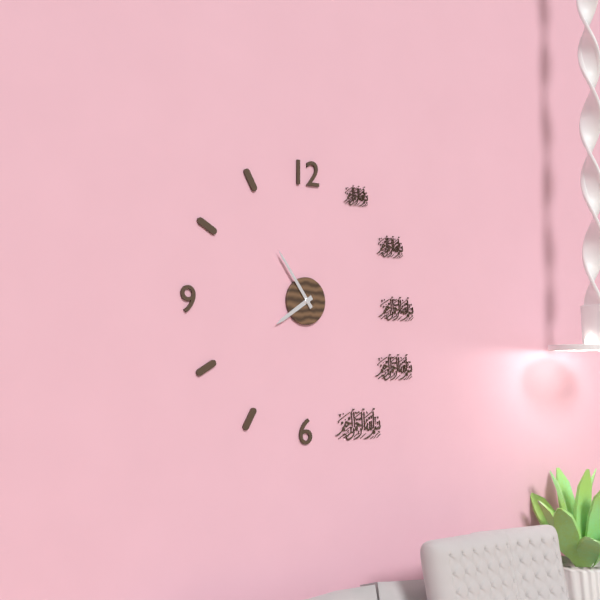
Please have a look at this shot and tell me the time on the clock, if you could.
7:54
